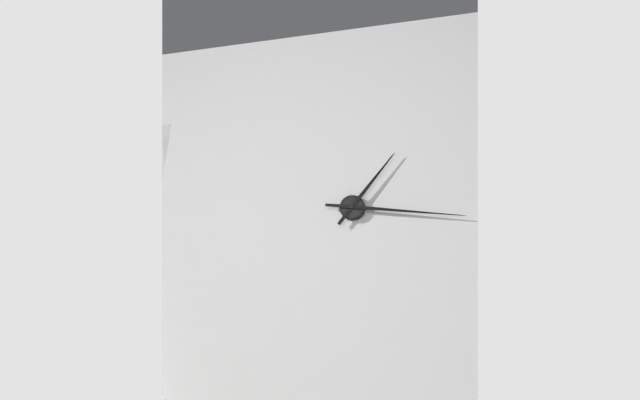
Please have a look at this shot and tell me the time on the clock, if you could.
1:16
